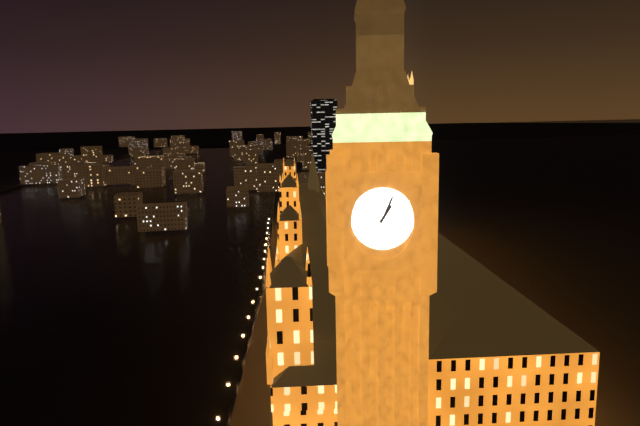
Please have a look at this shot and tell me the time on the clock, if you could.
1:04
